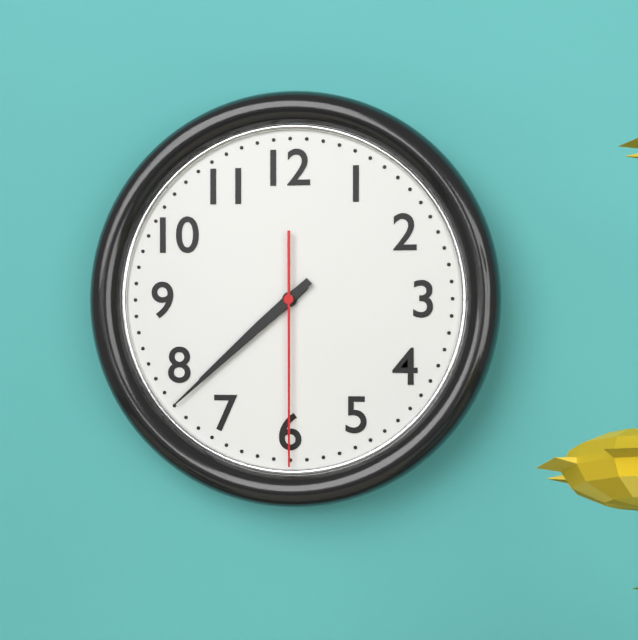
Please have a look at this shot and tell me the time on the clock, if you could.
7:38:30
